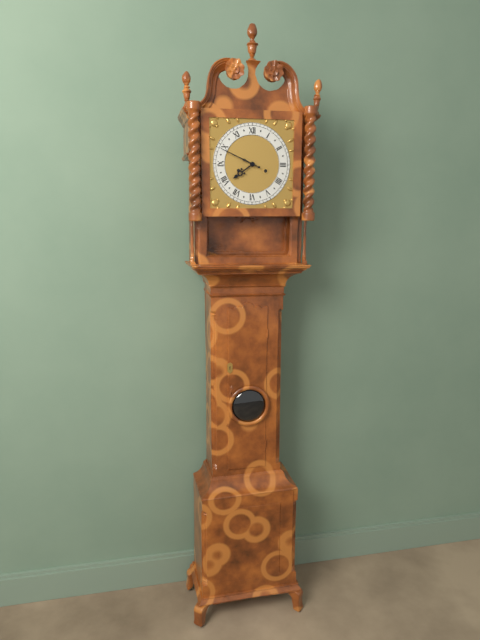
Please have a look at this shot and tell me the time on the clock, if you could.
7:49
